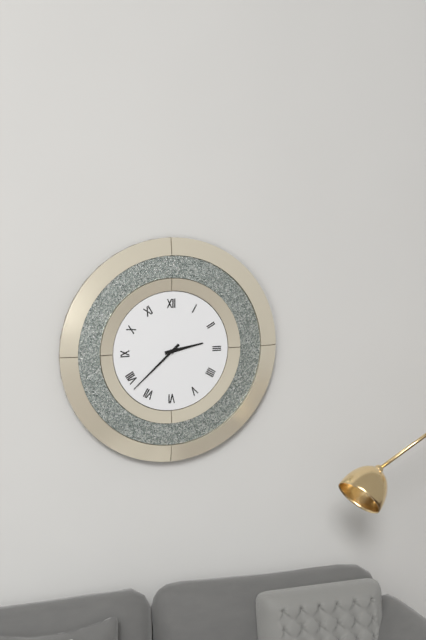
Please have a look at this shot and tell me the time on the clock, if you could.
2:38
